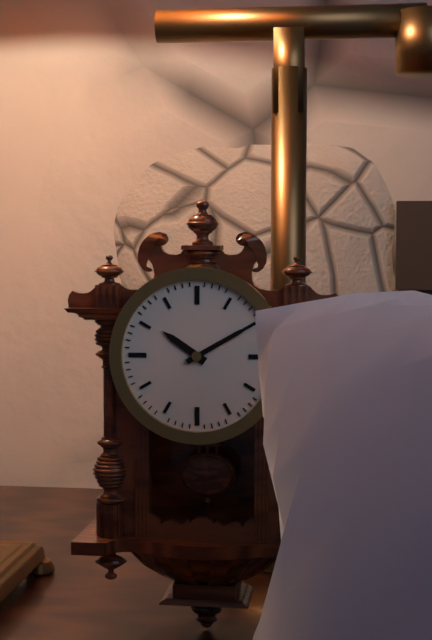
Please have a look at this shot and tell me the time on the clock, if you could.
10:10
